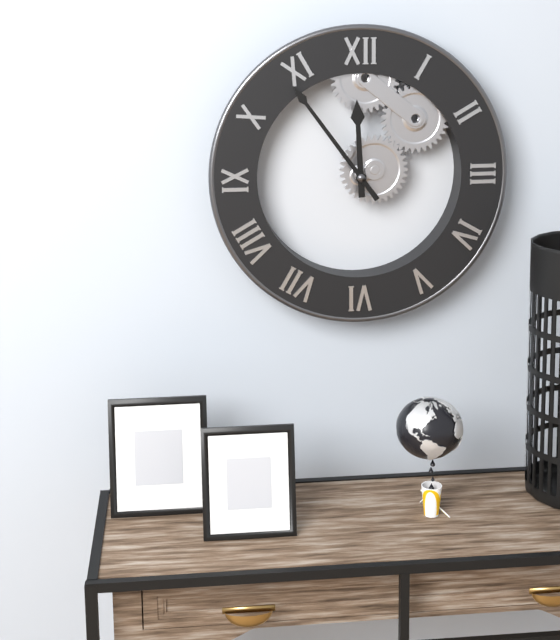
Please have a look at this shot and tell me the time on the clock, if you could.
11:54
